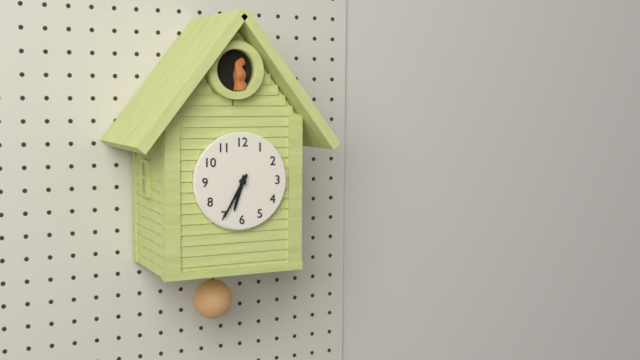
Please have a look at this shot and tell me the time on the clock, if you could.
6:35
